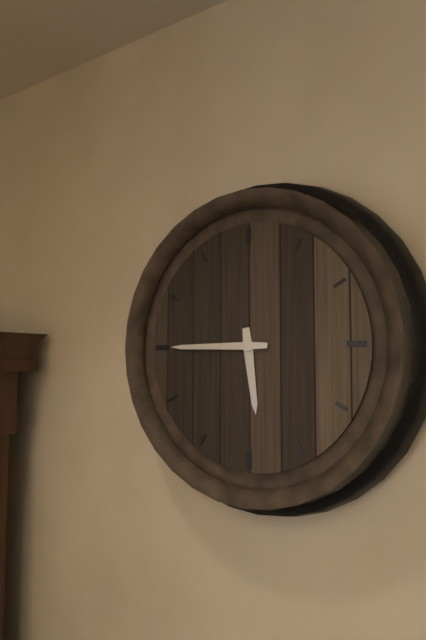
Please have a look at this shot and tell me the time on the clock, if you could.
5:45
